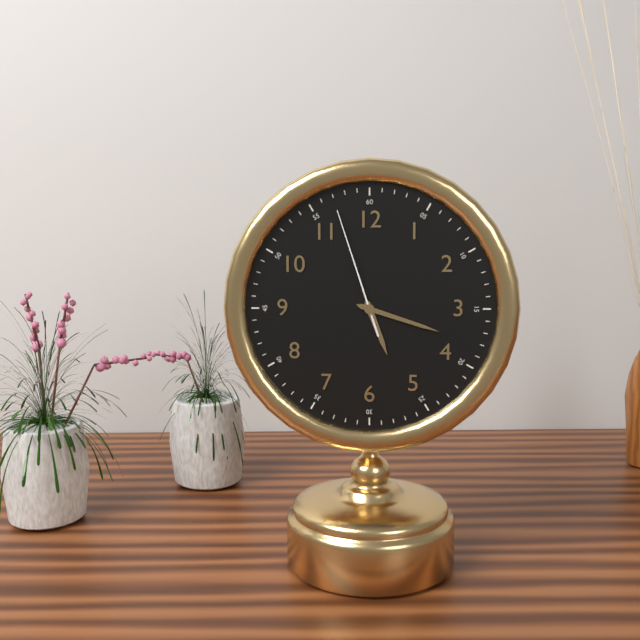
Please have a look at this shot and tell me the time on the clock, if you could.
5:18:57
